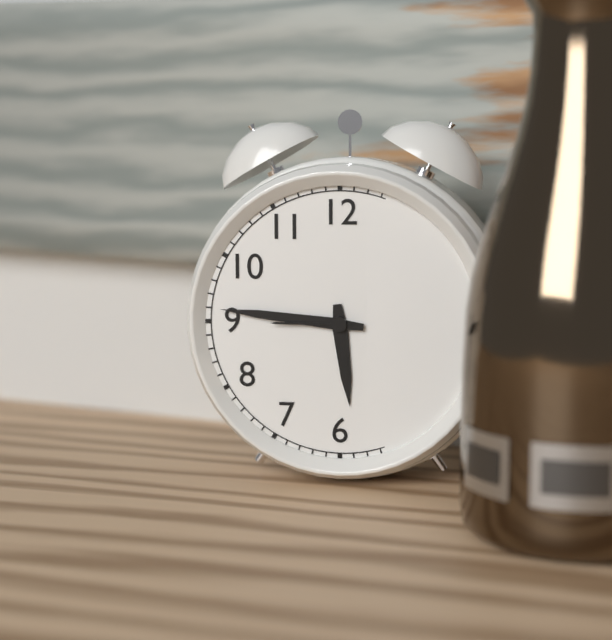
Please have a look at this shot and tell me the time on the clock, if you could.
5:46
